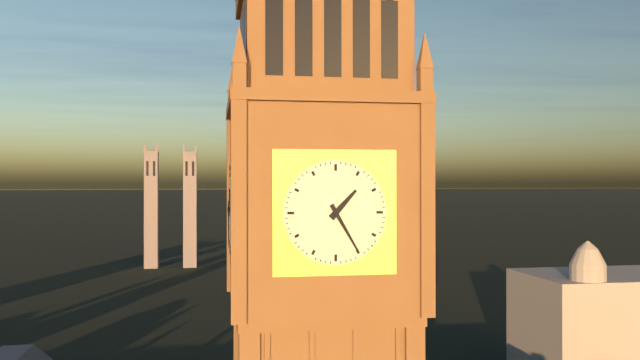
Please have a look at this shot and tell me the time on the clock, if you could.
1:25
